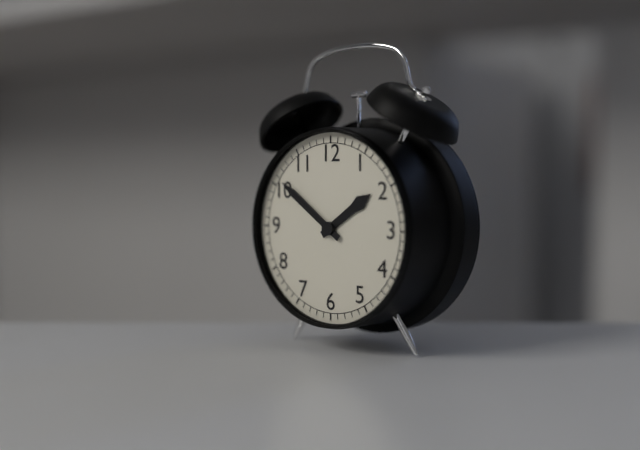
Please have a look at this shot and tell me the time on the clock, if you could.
1:51
